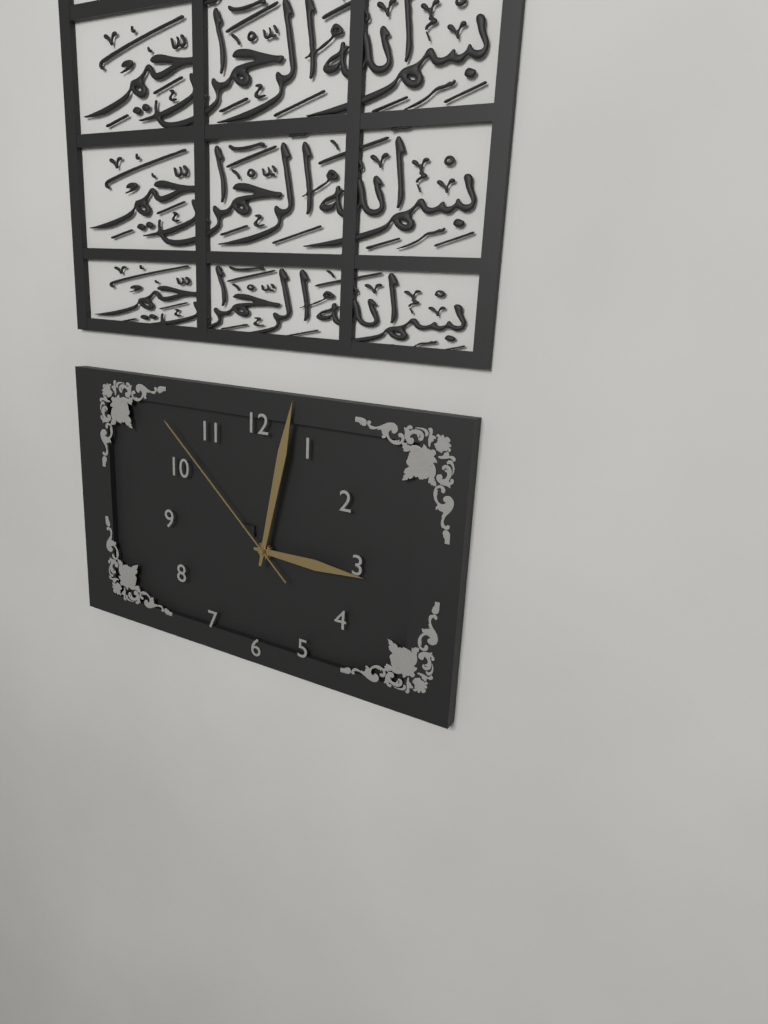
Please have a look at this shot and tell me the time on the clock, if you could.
3:02:52
